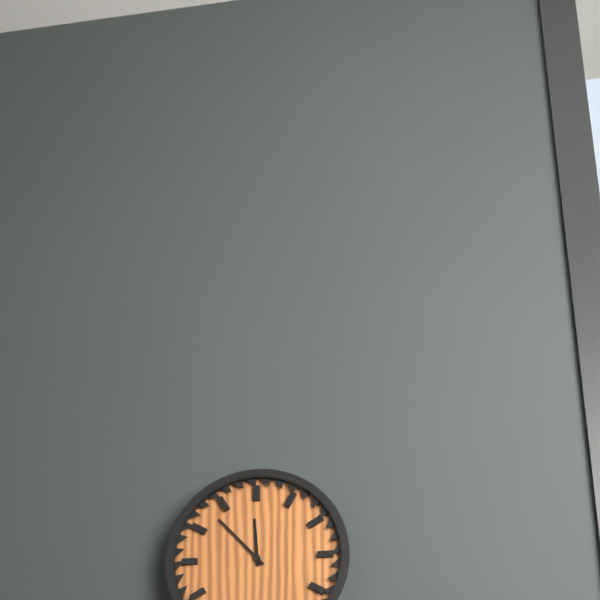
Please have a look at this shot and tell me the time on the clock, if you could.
11:53
